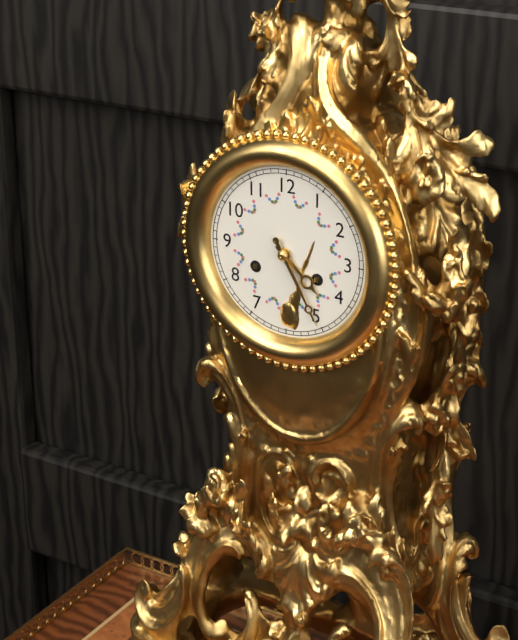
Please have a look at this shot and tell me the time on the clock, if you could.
4:25
